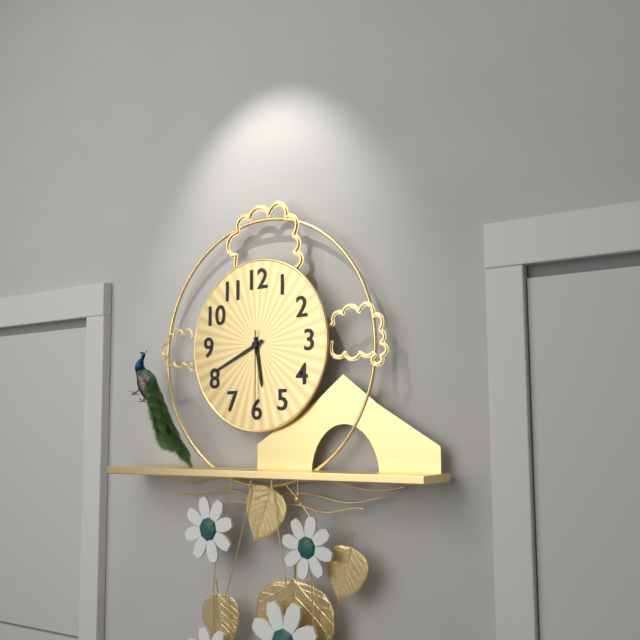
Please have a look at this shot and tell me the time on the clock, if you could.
5:41:30
